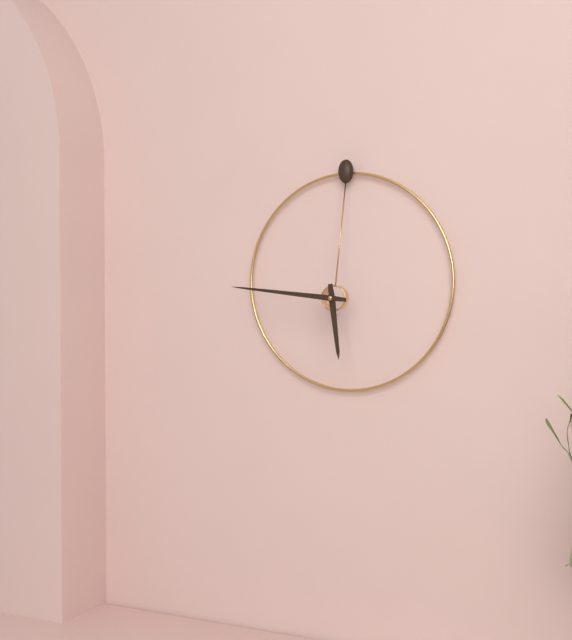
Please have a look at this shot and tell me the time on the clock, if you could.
5:46
